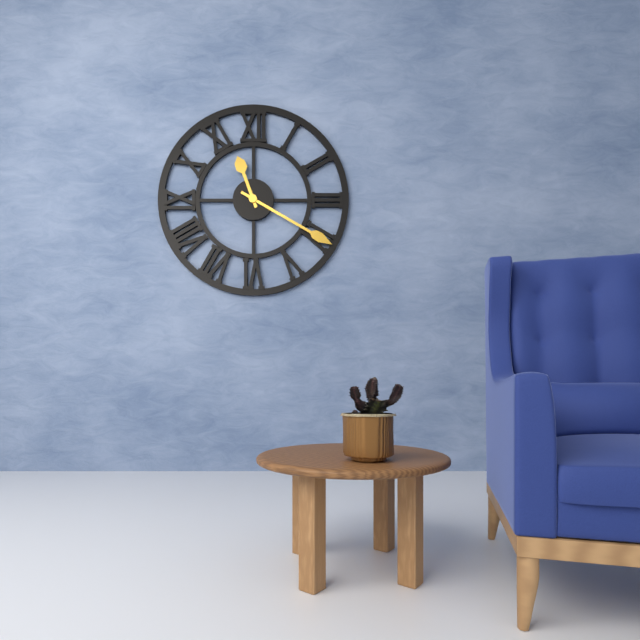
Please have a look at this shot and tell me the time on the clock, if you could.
11:20
